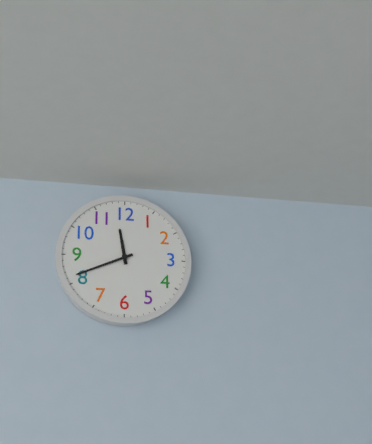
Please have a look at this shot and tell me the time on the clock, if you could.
11:41
